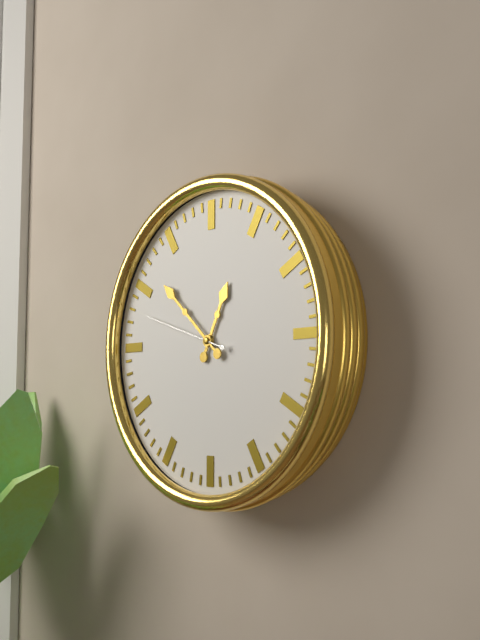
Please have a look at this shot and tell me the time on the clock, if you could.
12:52:48
